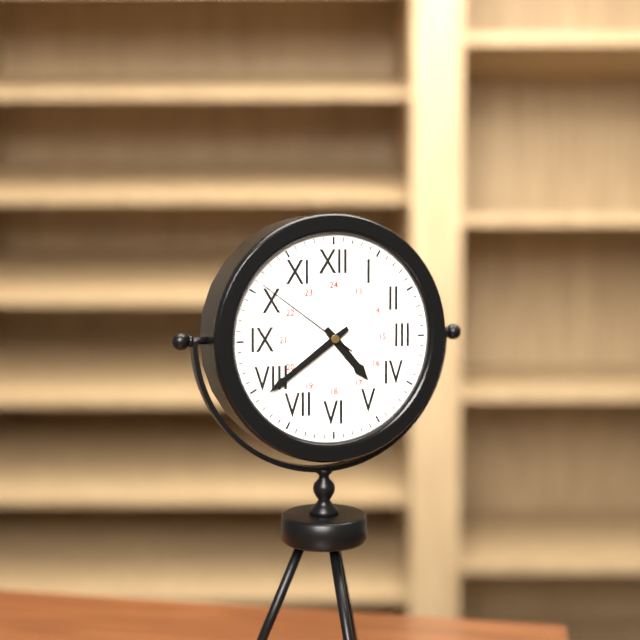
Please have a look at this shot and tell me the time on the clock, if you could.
4:39:51
